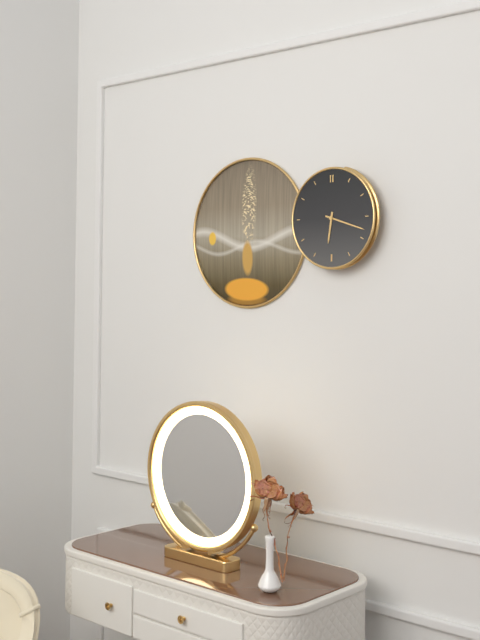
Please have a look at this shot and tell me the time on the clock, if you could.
6:18
